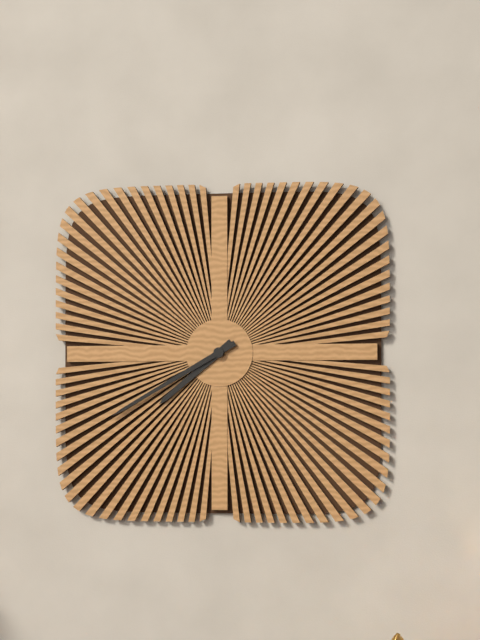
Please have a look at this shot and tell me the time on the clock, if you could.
7:40
